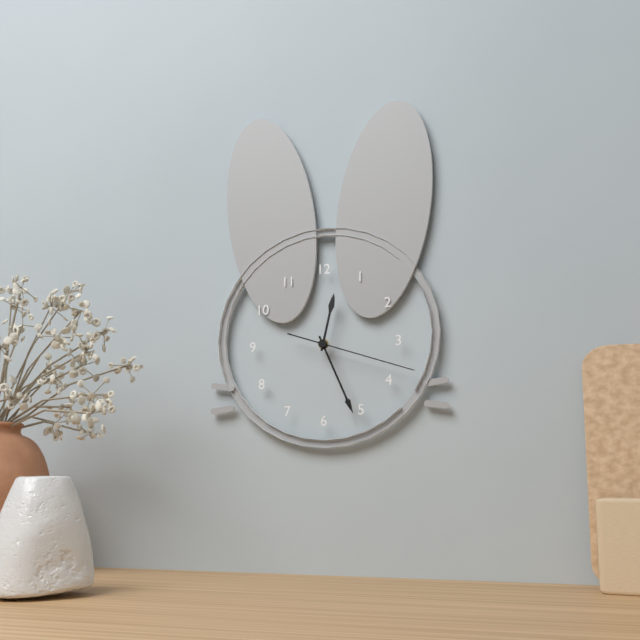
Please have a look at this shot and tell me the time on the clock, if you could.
12:26:18
